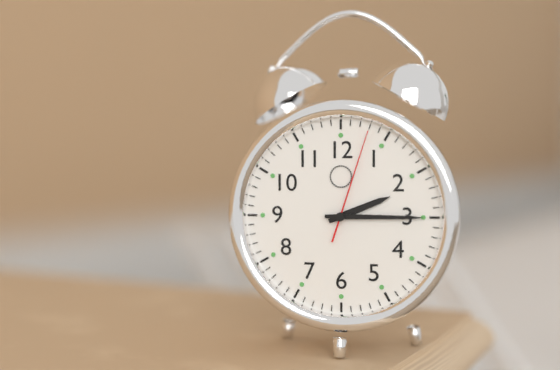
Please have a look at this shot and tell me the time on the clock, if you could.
2:15:03
